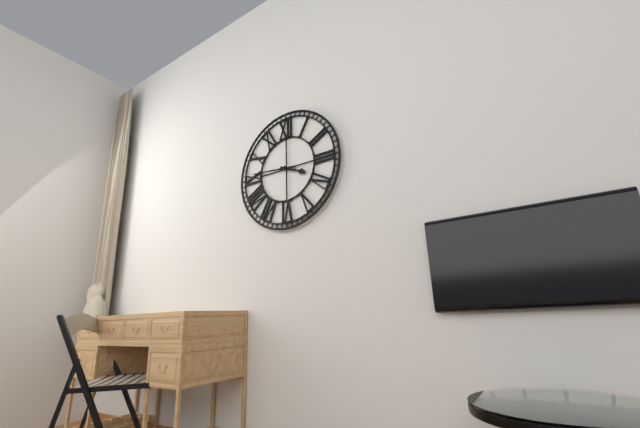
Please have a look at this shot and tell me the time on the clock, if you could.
3:46
